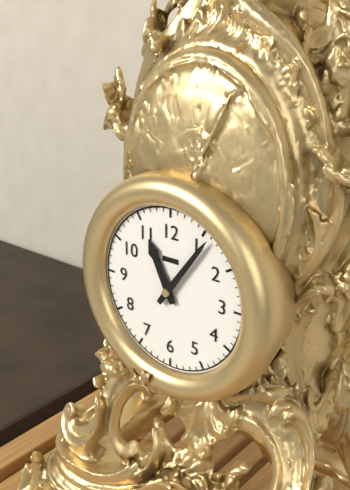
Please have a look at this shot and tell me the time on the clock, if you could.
11:06
